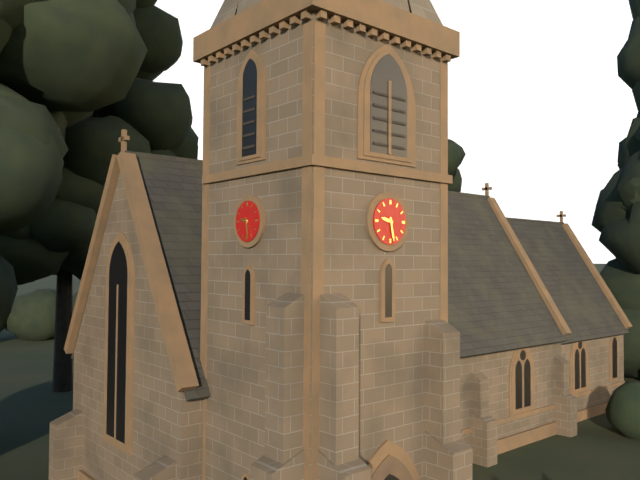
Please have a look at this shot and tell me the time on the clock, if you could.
9:28
